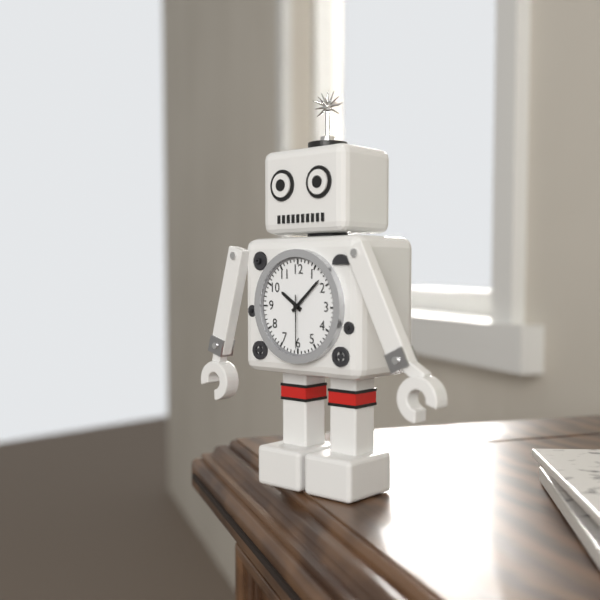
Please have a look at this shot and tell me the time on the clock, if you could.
10:08:30
